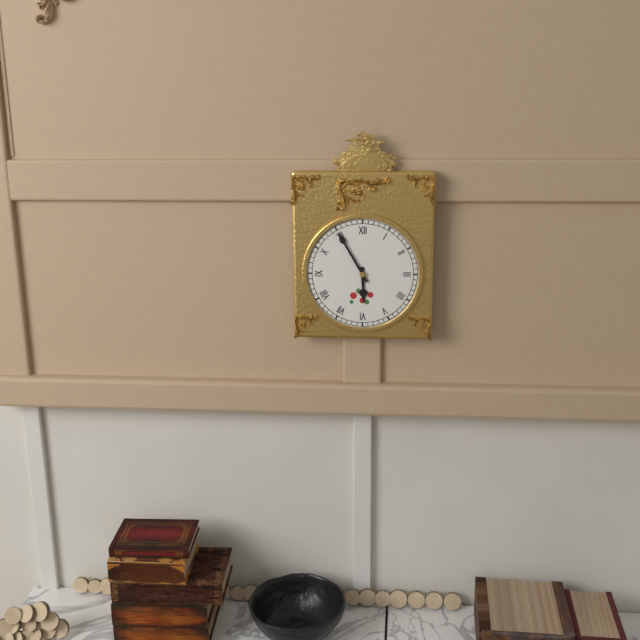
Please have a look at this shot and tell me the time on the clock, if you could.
5:55
